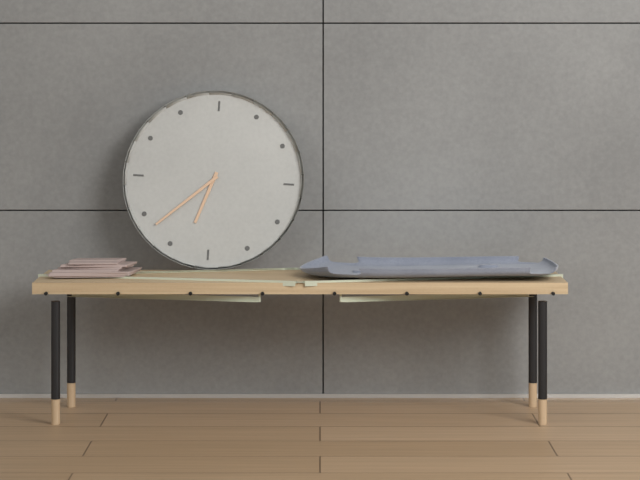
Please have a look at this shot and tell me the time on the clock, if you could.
6:38
